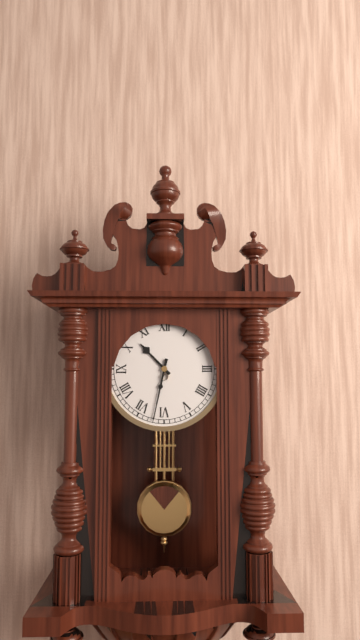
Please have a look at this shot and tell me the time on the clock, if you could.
10:32
